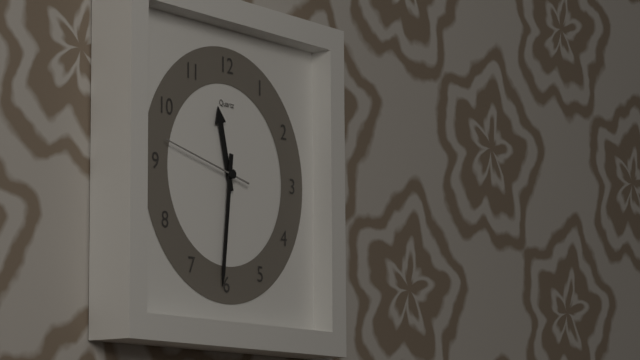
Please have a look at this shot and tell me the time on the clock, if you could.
11:31:47
